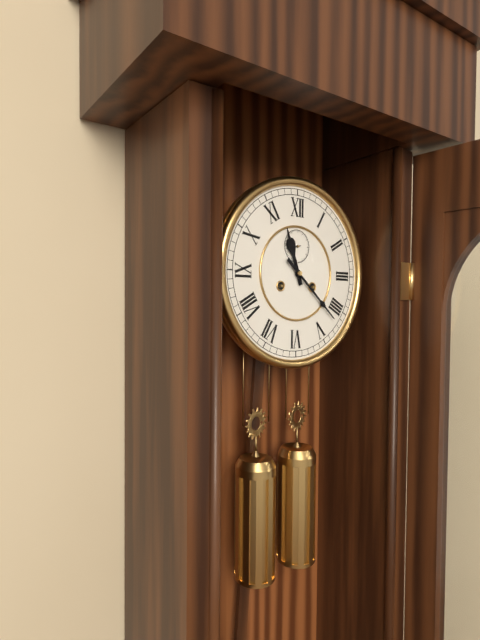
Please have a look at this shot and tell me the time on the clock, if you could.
11:22
